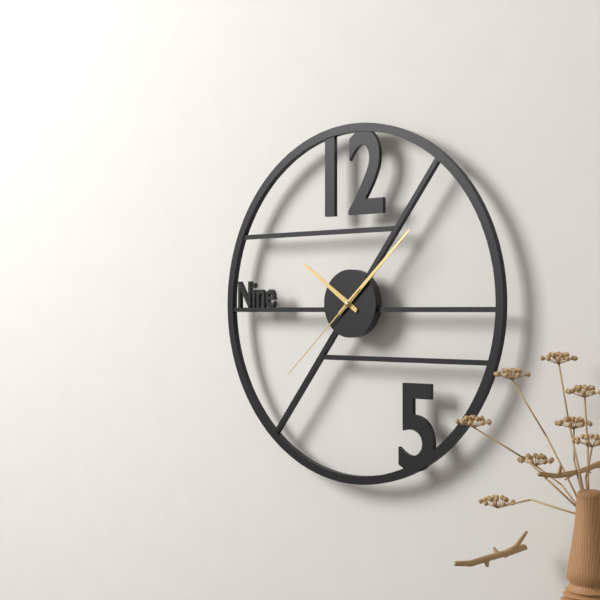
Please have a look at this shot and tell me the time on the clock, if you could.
10:08:38
